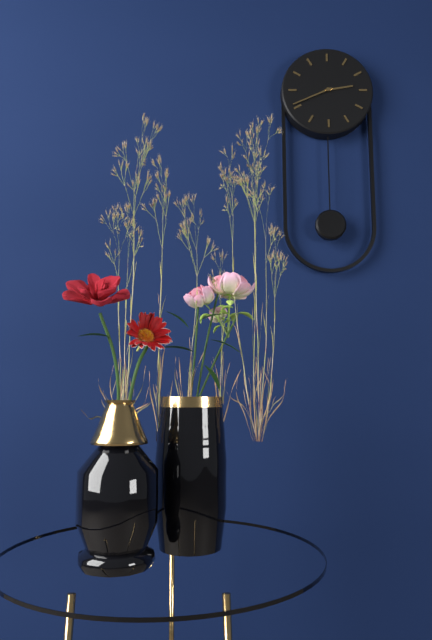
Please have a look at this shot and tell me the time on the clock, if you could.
2:41
